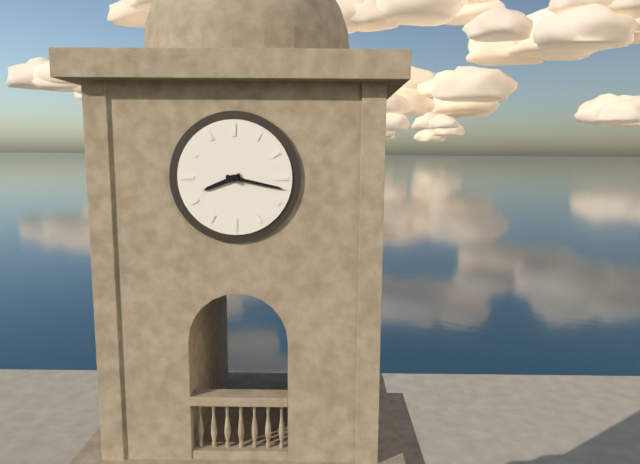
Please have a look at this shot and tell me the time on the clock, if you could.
8:17
